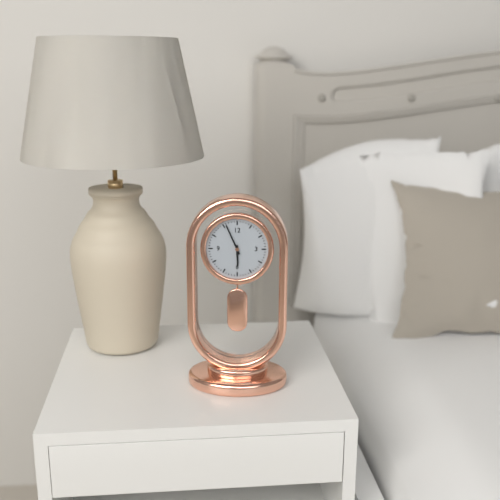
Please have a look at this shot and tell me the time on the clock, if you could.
5:56
